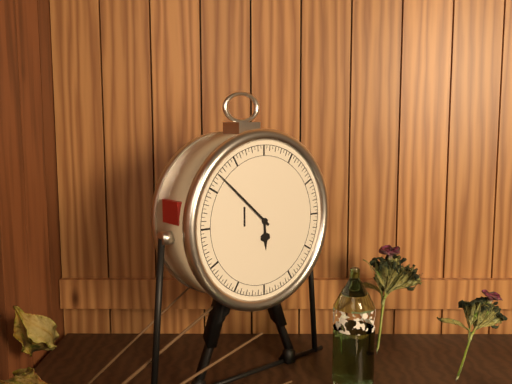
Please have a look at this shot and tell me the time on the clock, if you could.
5:52
